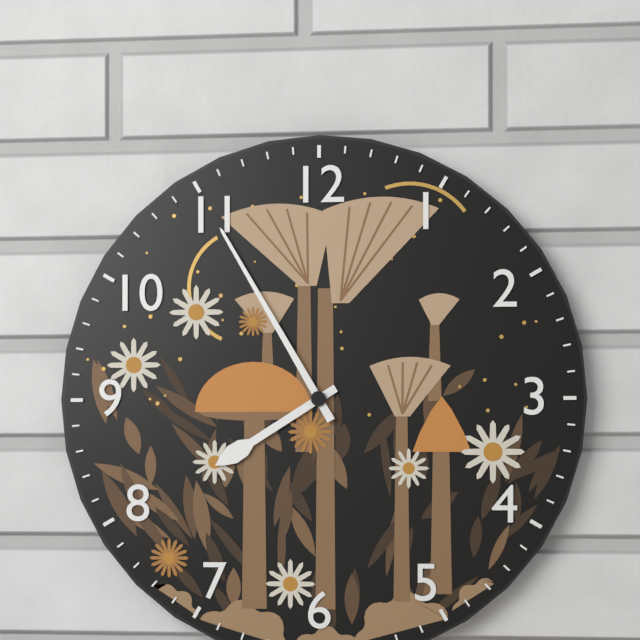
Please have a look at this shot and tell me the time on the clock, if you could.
7:55
